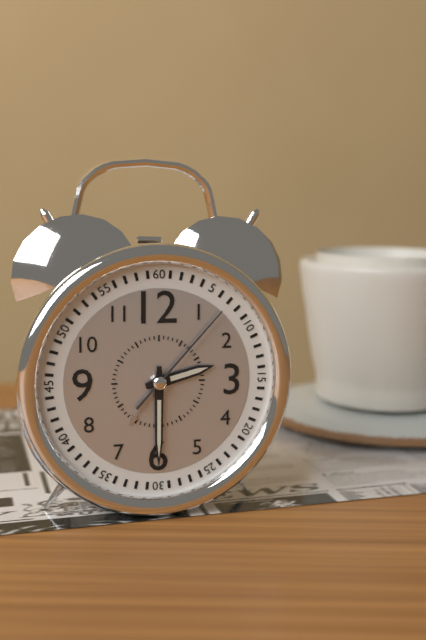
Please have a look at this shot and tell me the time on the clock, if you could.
2:30:07
